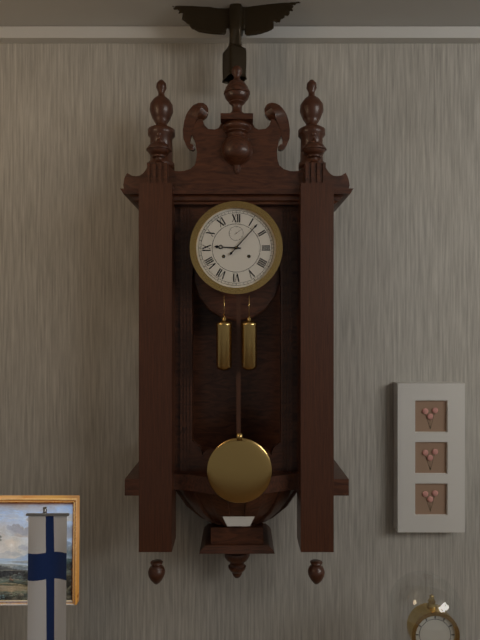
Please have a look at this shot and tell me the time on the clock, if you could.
9:07
